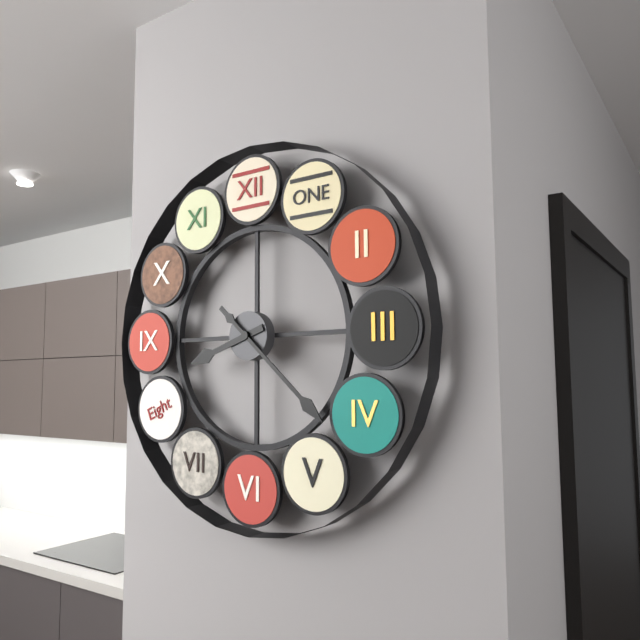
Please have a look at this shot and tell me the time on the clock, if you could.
8:22
